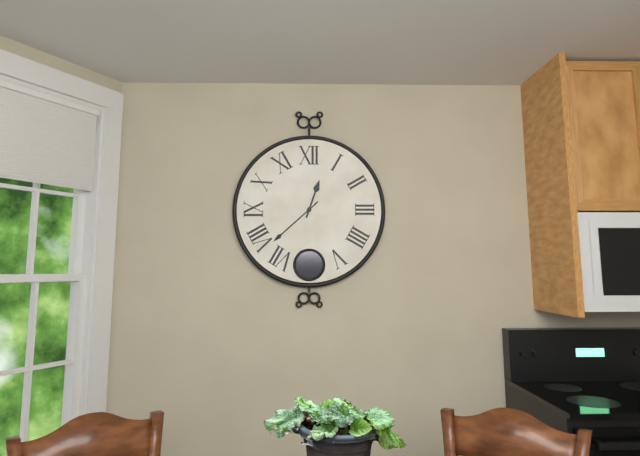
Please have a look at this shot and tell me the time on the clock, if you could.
12:38
